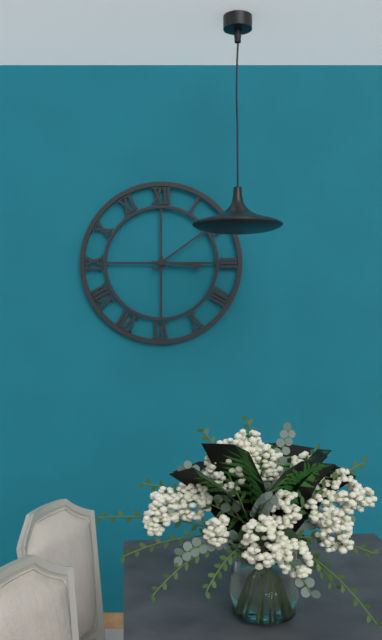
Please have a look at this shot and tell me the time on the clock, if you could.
3:09
